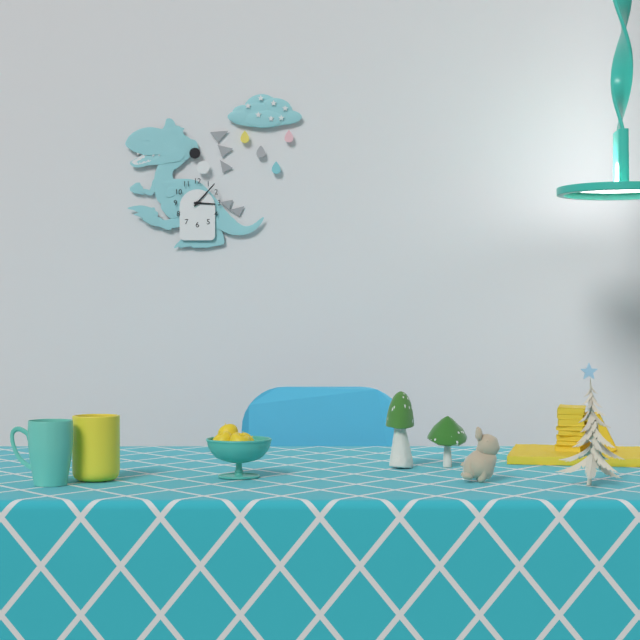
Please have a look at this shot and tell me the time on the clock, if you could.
3:07
